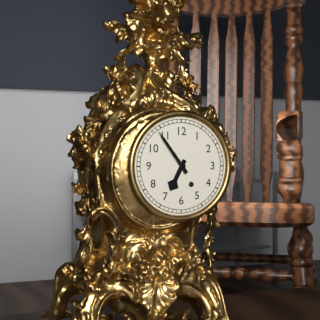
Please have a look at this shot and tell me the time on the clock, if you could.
6:54
